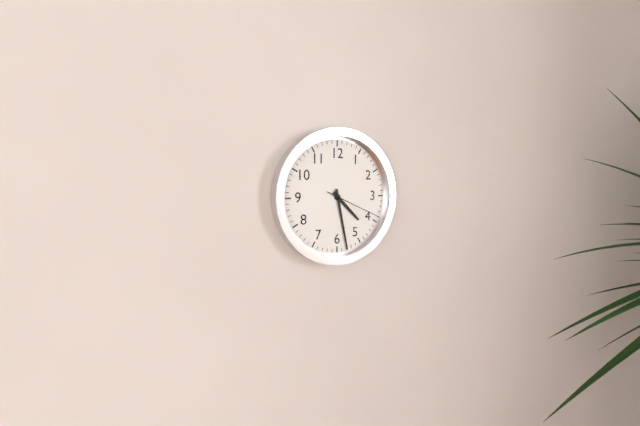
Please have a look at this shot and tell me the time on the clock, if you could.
4:28:19
